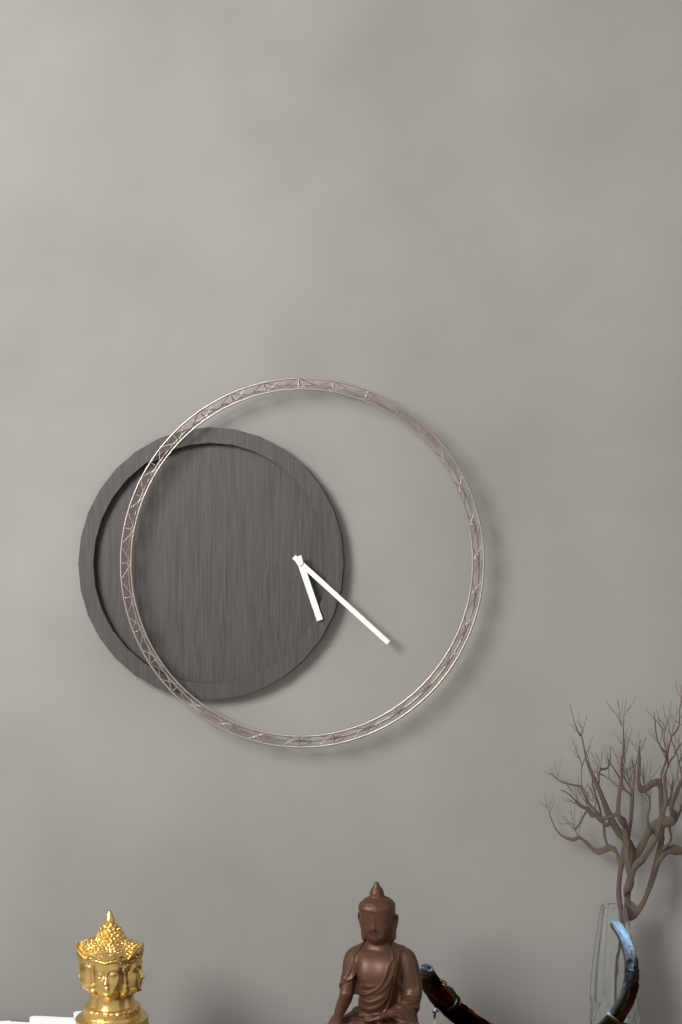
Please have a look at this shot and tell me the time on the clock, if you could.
5:22
